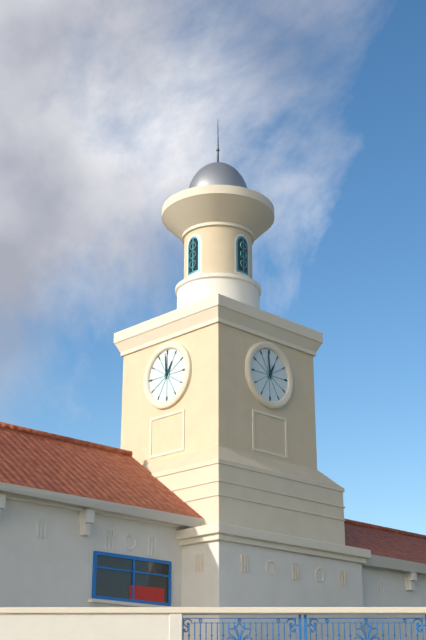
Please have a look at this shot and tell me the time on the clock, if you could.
12:59
